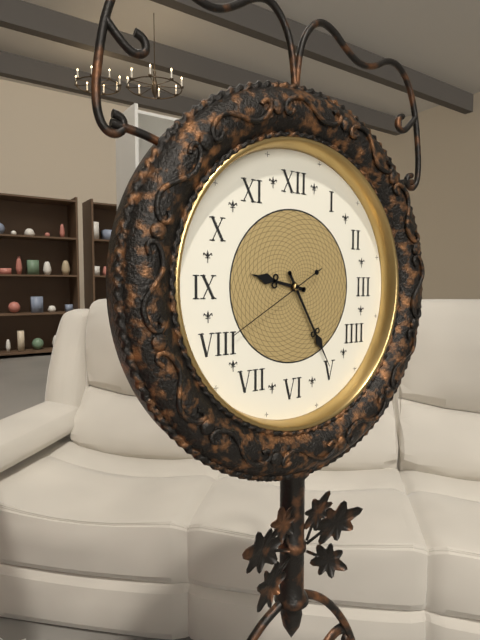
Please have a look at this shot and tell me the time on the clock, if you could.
9:25:40
